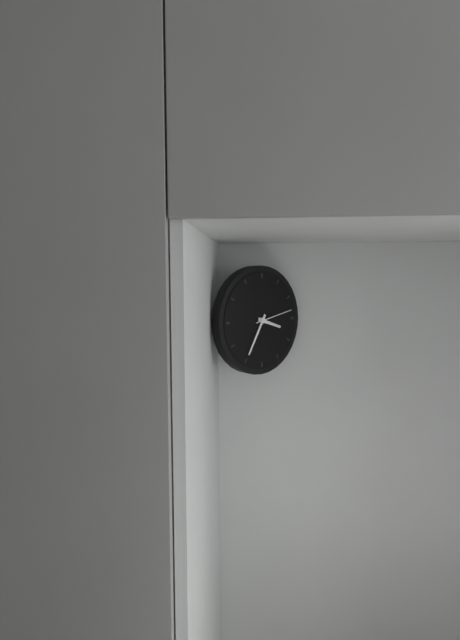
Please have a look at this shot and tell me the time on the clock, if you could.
3:35
